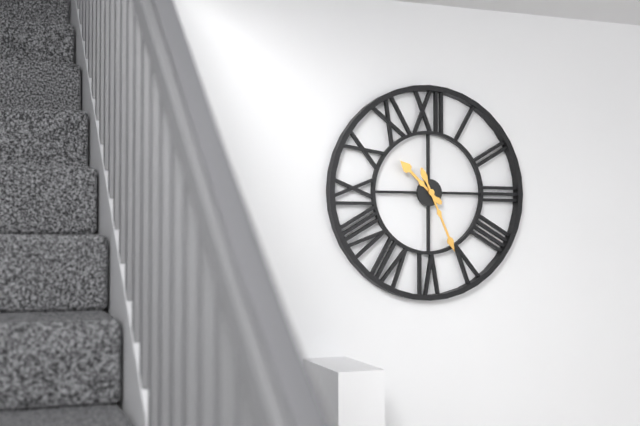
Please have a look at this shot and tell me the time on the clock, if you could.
10:26
